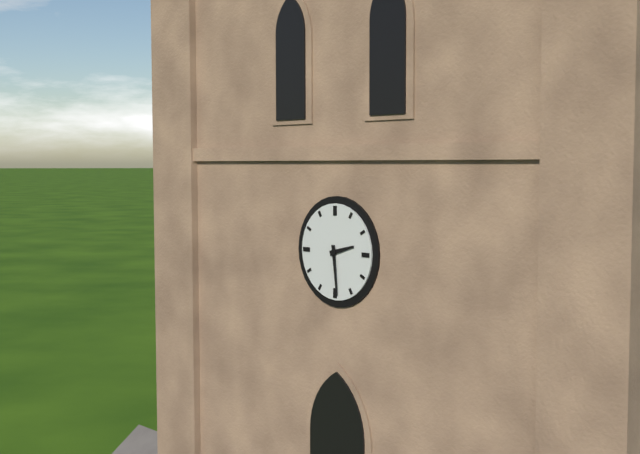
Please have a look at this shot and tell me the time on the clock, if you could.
2:29
